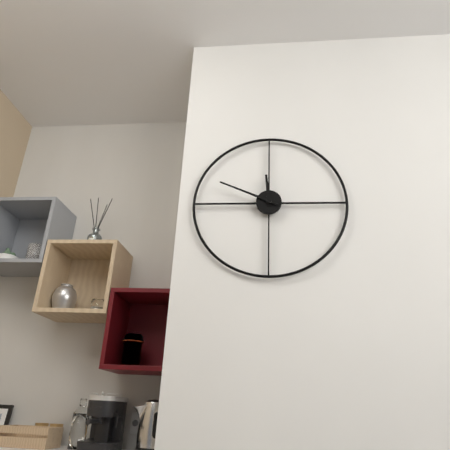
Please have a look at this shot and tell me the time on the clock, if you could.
11:49
